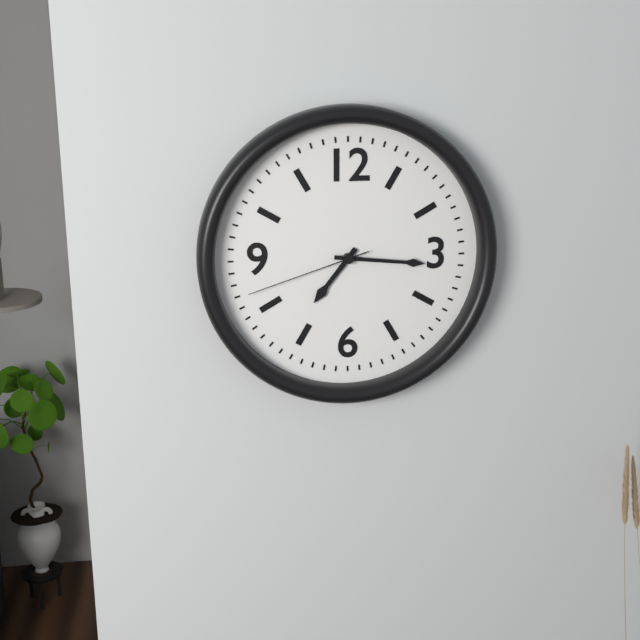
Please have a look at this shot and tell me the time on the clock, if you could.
7:16:42
